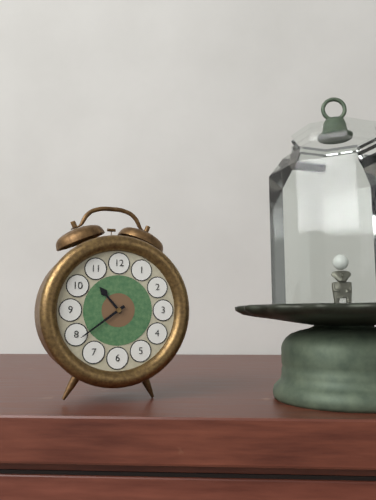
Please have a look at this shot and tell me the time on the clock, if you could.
10:39
